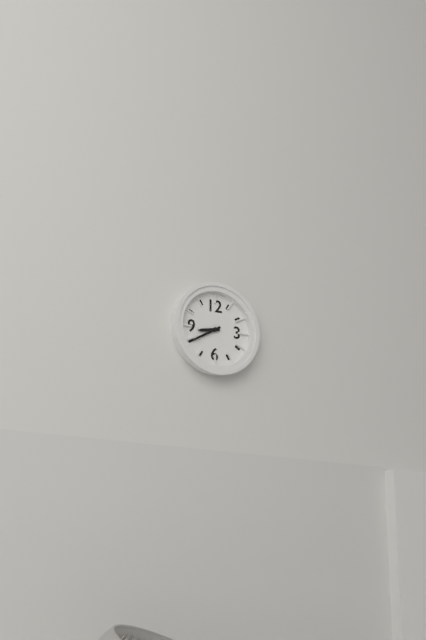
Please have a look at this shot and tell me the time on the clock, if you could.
8:40
